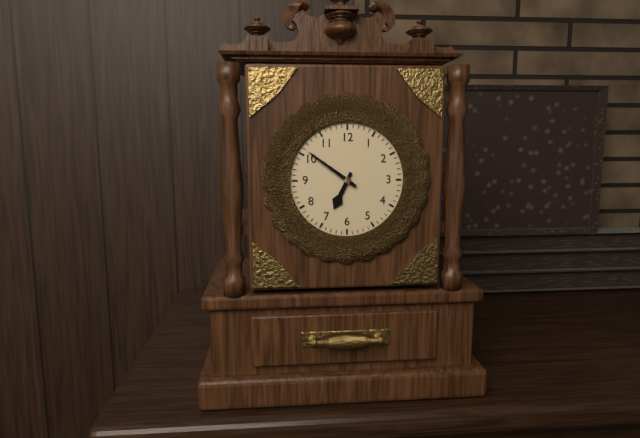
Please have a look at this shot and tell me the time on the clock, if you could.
6:51
